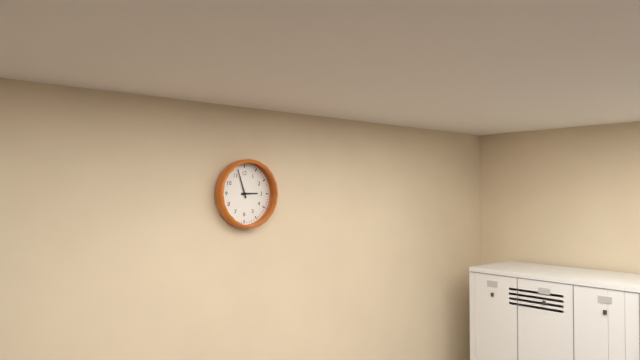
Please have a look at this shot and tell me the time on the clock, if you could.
2:57
